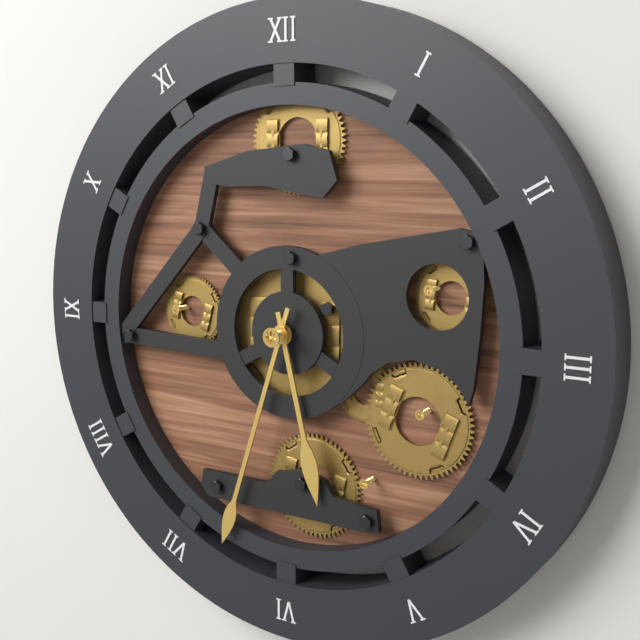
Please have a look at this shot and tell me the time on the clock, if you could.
5:33
